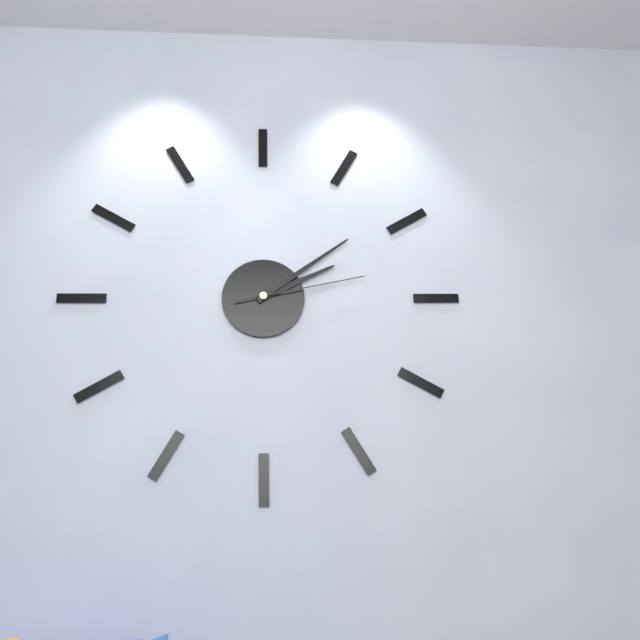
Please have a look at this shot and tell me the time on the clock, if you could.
2:09:13
